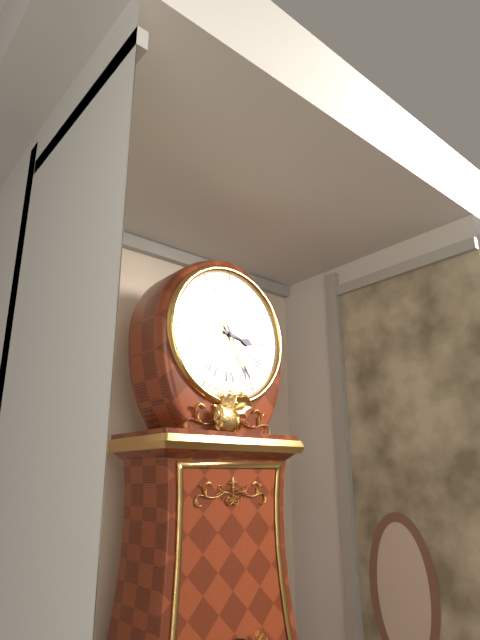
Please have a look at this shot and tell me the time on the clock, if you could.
3:25
